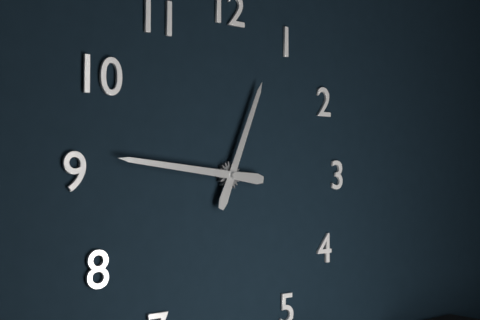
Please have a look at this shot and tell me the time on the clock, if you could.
12:46
